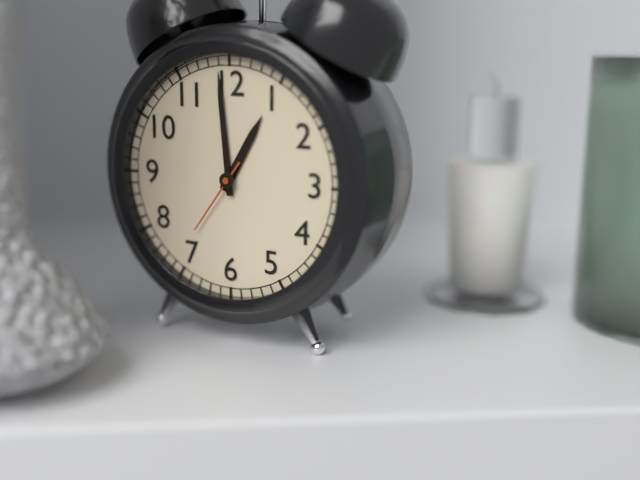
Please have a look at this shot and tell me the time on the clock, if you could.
12:59:36
